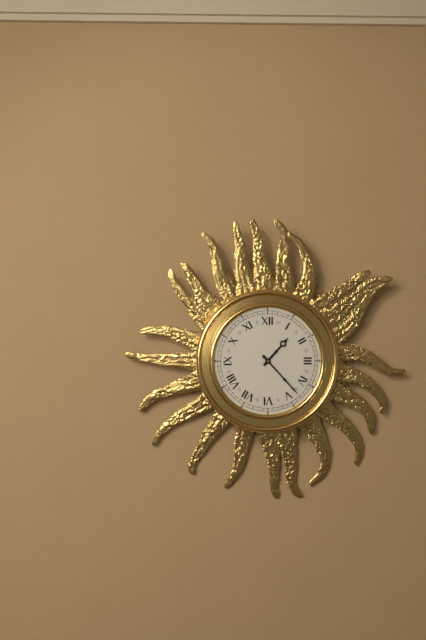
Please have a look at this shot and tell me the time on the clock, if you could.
1:23
